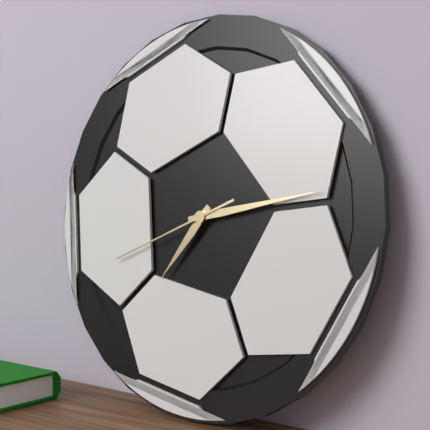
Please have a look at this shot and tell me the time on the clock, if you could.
7:13:41
